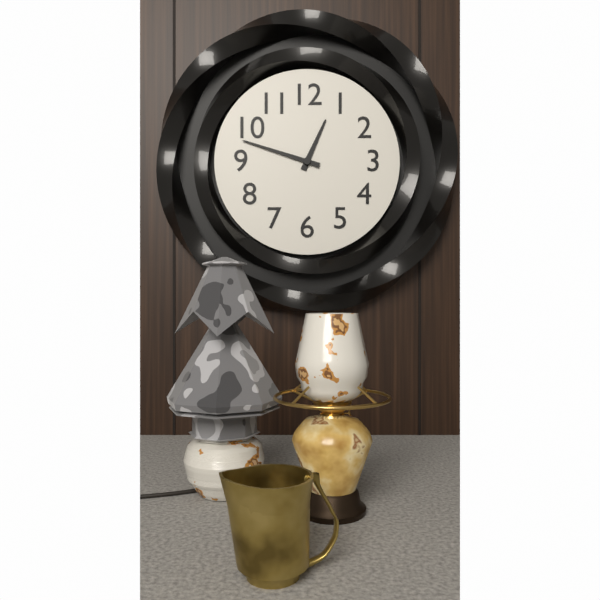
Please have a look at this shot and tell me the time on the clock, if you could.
12:48
